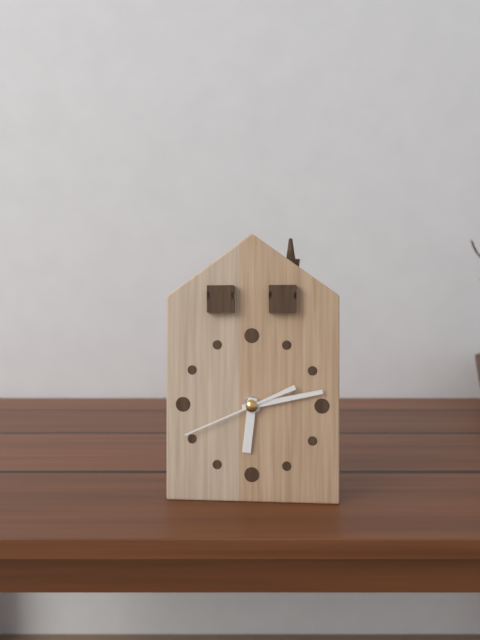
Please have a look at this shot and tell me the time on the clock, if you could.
6:13:41
